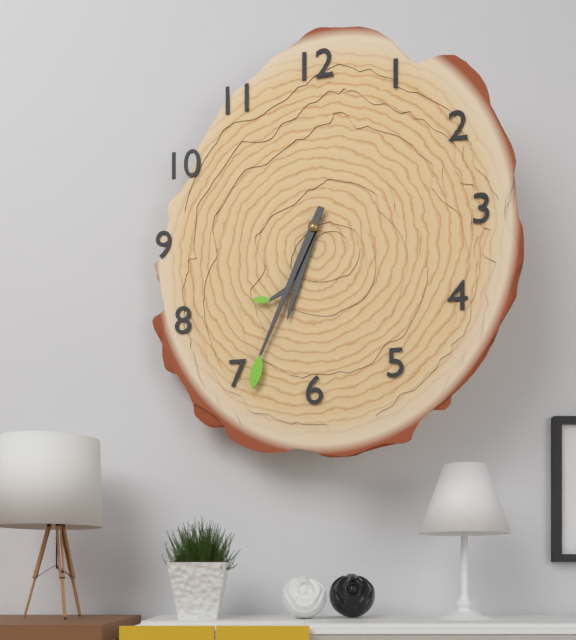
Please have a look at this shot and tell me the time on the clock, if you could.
6:34
